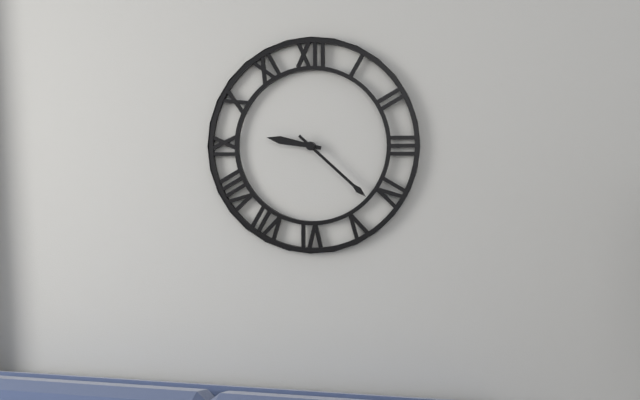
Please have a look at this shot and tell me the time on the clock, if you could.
9:22
